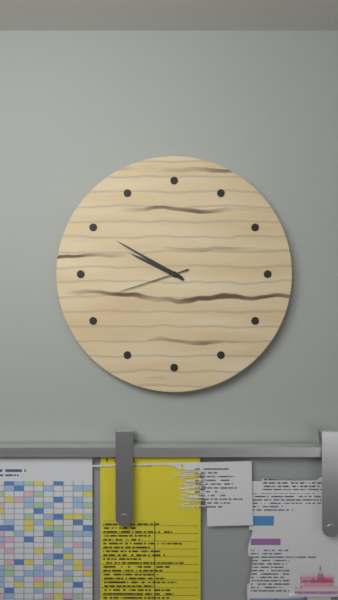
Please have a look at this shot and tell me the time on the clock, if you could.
9:50:42
